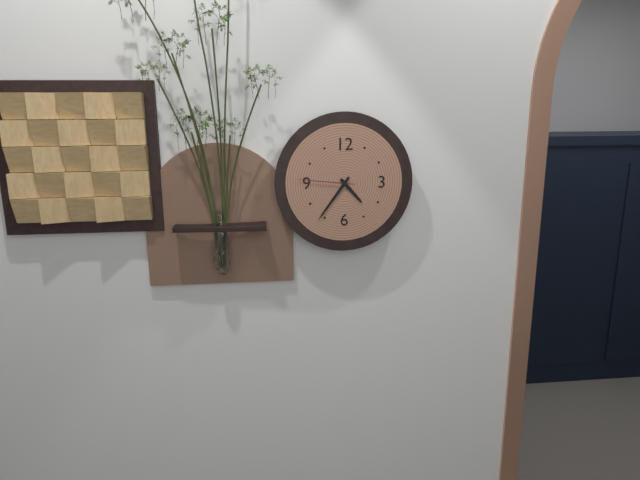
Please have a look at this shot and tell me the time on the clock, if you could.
4:36:46
